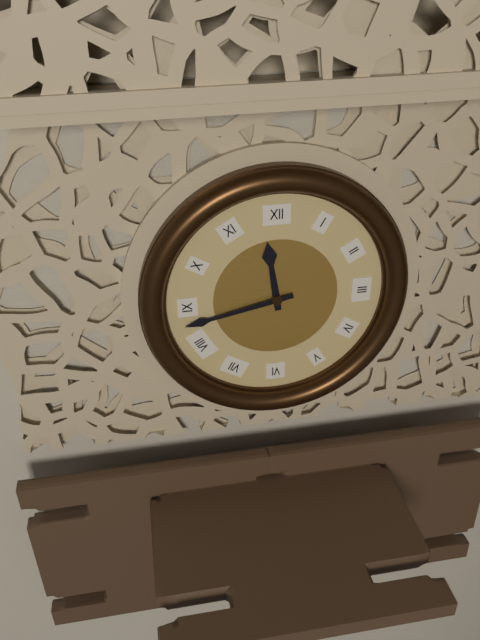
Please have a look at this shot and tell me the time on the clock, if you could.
11:43
